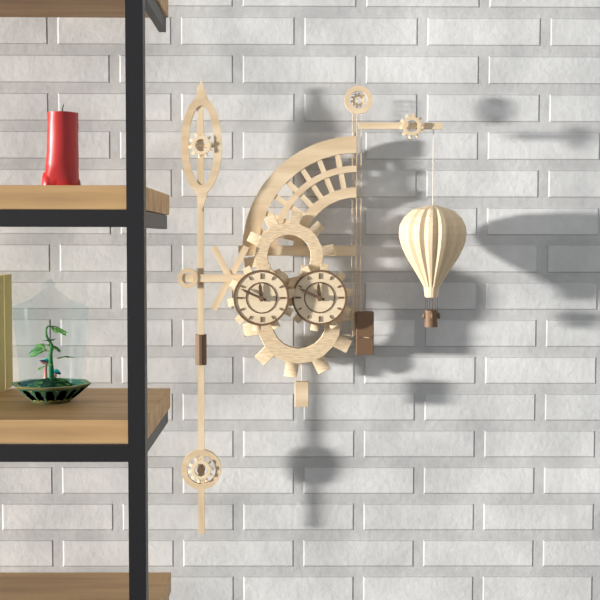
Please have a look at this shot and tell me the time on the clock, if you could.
11:49
